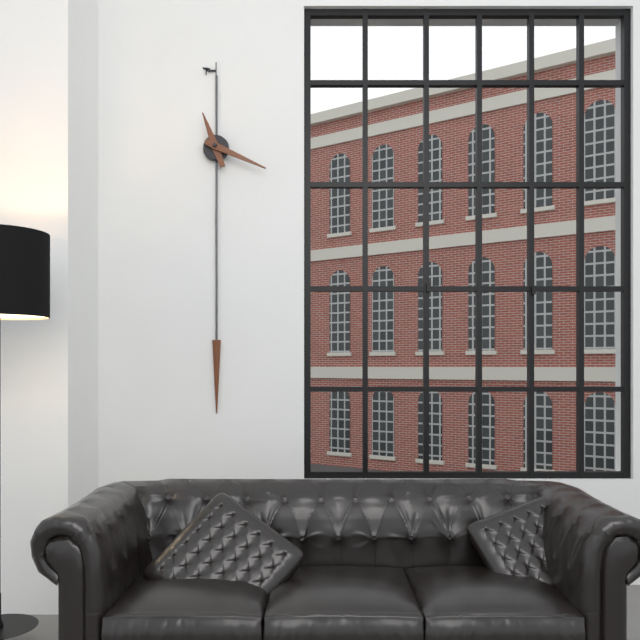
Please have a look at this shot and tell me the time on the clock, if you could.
11:19
